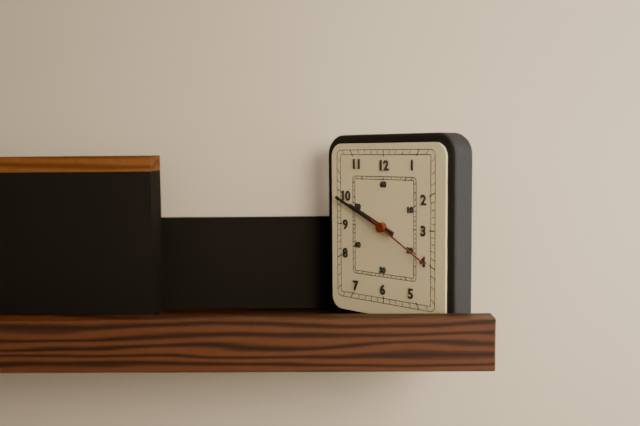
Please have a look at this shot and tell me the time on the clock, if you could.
9:49:20
